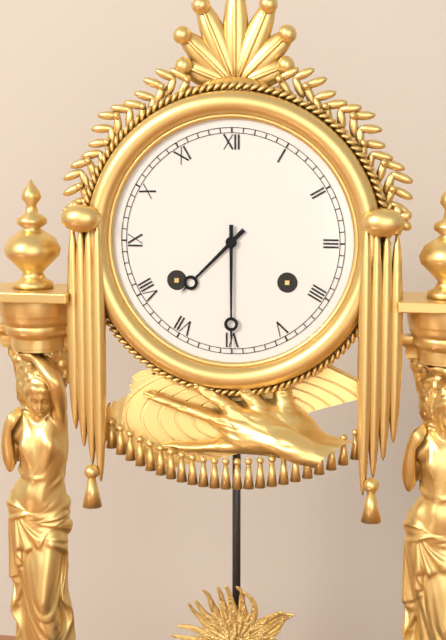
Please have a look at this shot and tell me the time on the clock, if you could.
7:30
